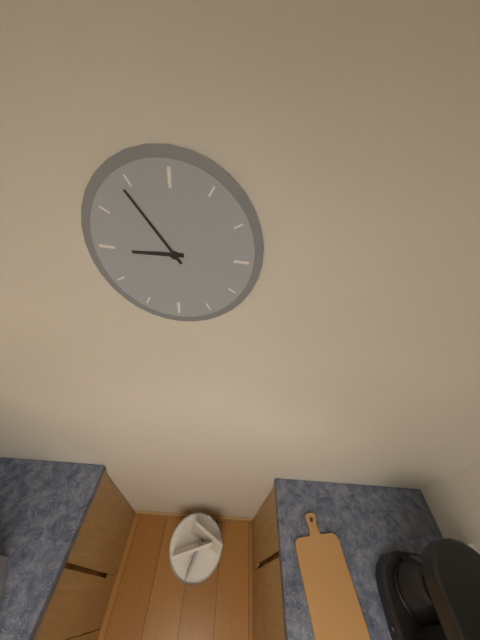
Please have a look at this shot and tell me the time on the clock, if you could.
8:54
